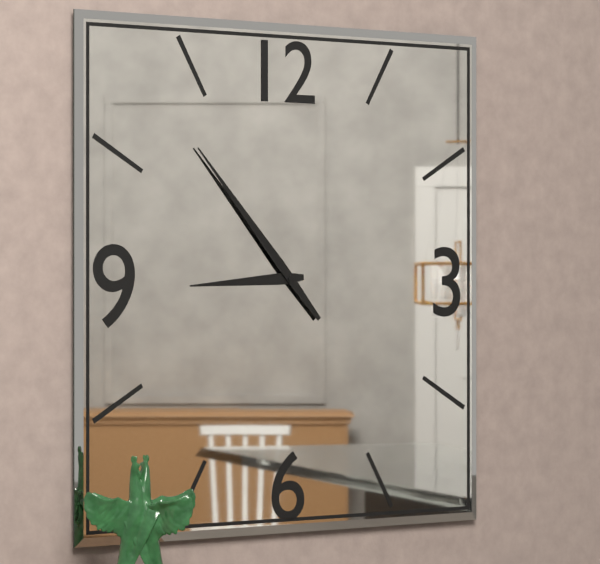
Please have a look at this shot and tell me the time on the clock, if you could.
8:53
